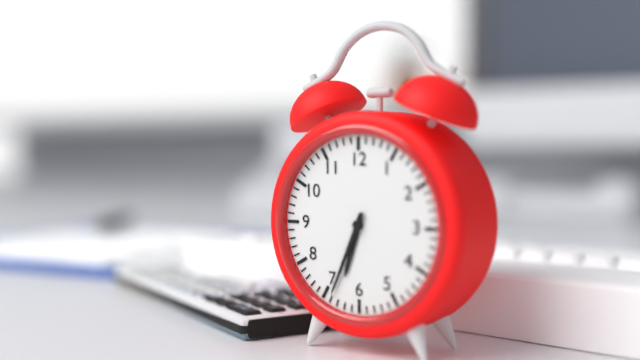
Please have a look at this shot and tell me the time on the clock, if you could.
6:34
